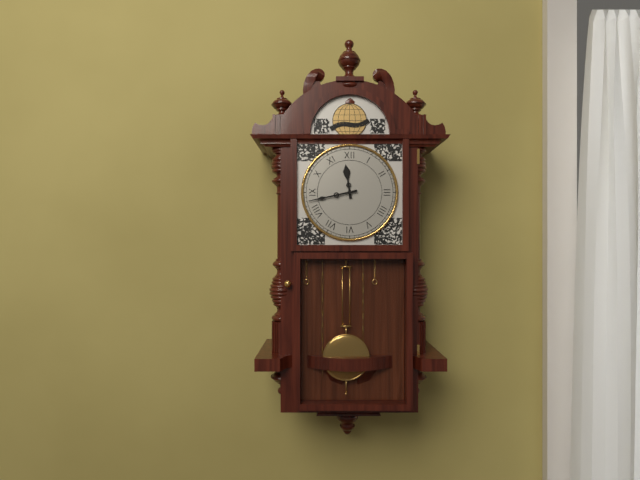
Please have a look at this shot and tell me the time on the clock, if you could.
11:43
